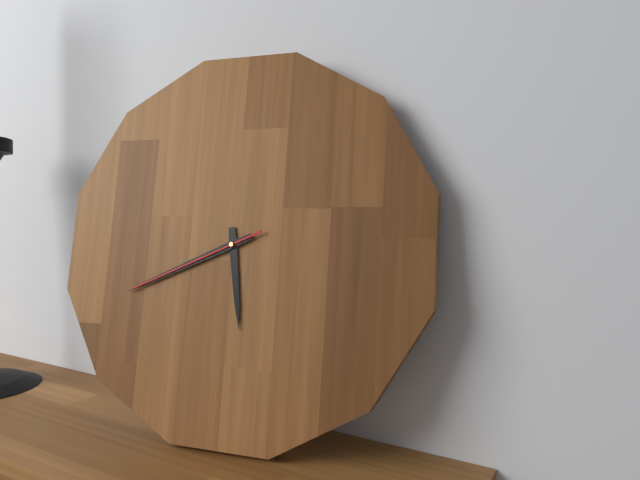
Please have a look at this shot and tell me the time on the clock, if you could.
5:41:41
